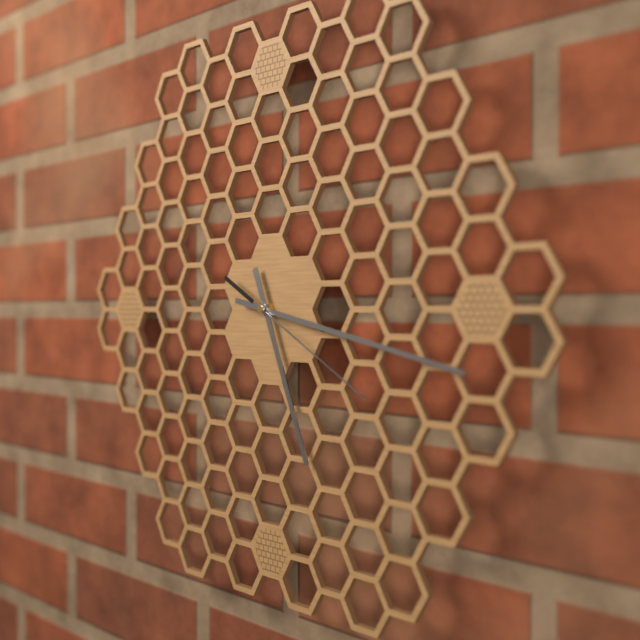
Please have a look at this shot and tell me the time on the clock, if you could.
5:17:20
